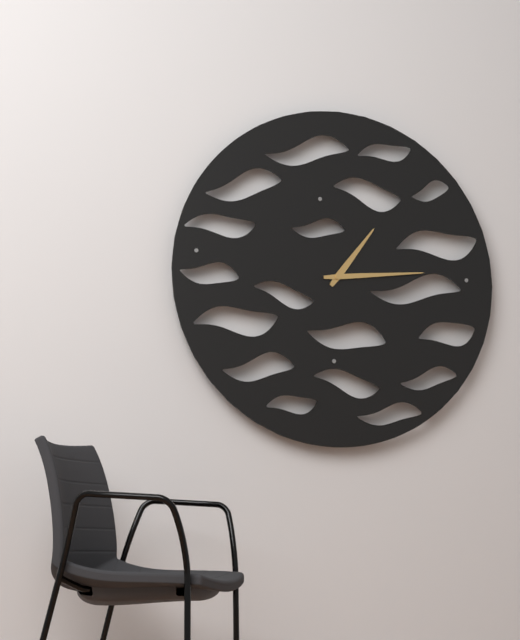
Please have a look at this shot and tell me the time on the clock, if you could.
1:14
